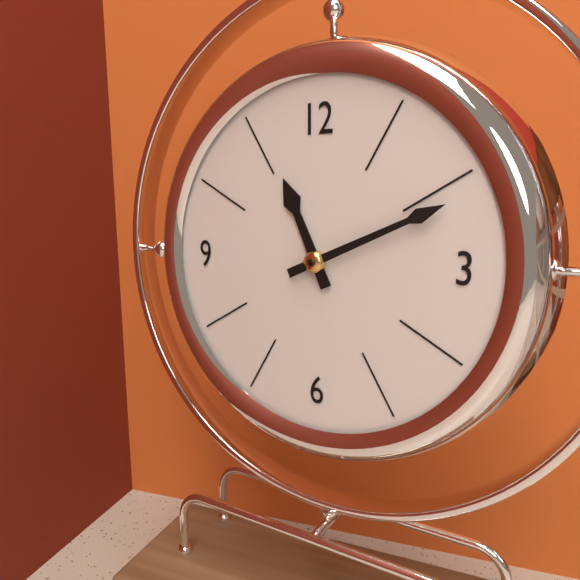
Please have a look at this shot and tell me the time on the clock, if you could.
11:11
